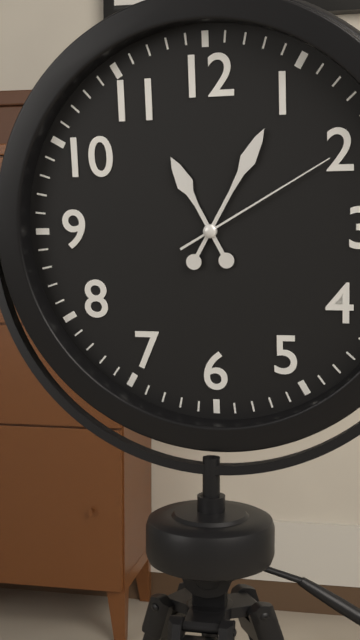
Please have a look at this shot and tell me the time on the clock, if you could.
11:05:10
